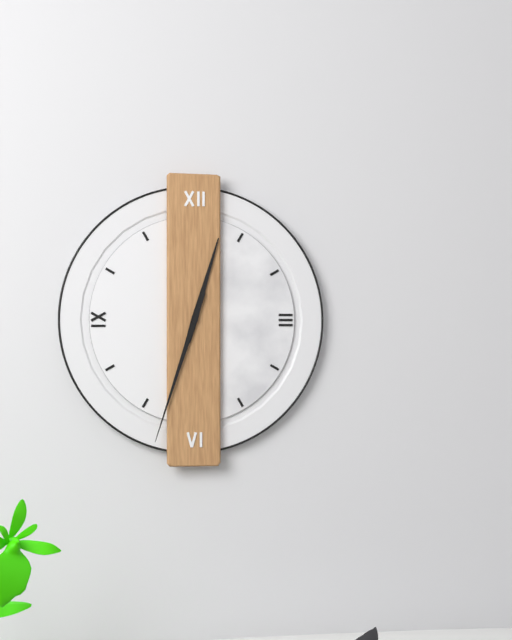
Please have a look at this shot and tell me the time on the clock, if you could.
12:33
